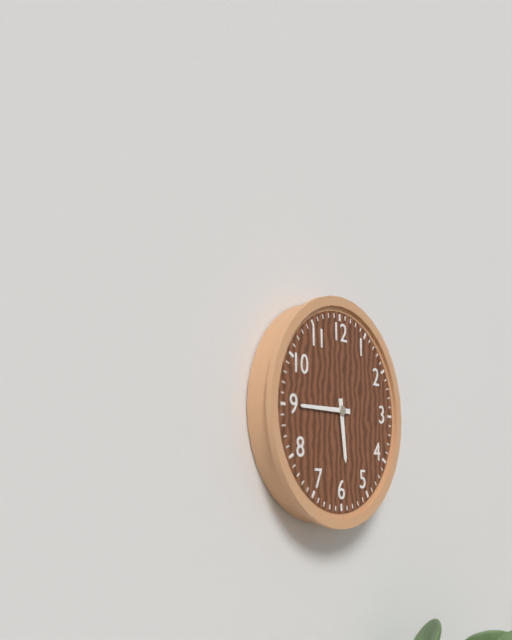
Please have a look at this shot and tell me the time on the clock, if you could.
5:45
